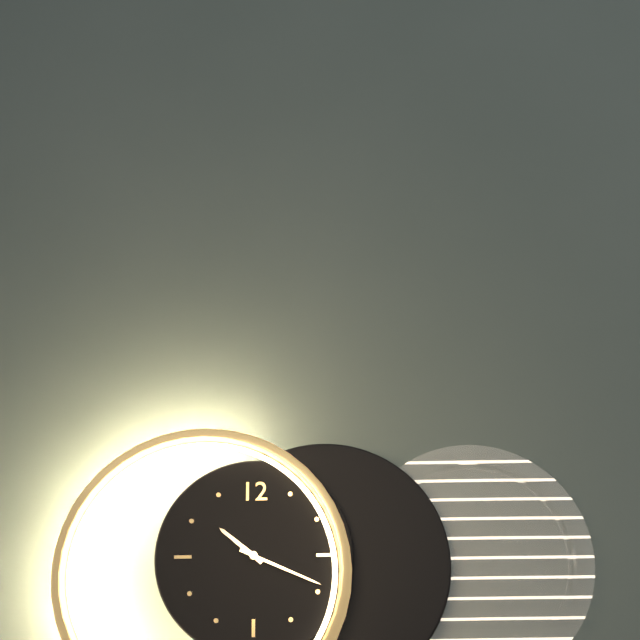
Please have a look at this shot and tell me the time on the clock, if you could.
10:19
